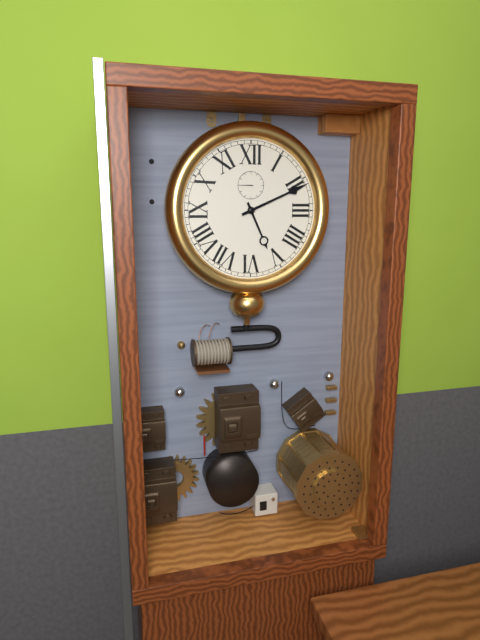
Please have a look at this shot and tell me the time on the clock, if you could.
5:11
